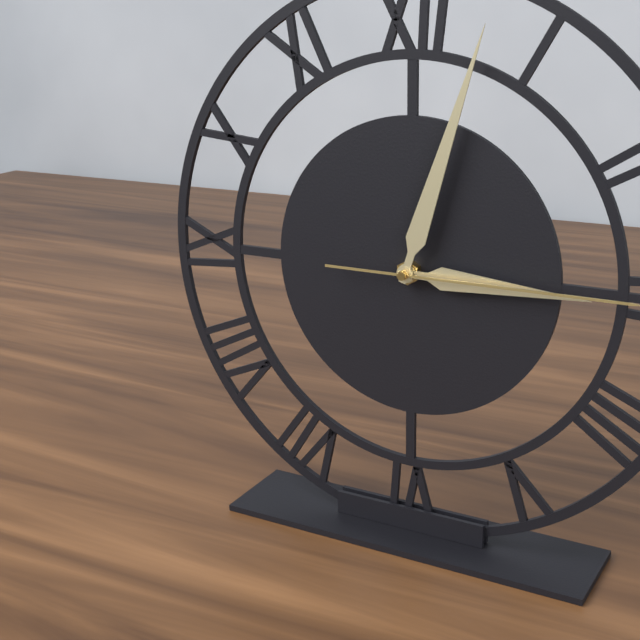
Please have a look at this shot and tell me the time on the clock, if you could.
3:03
